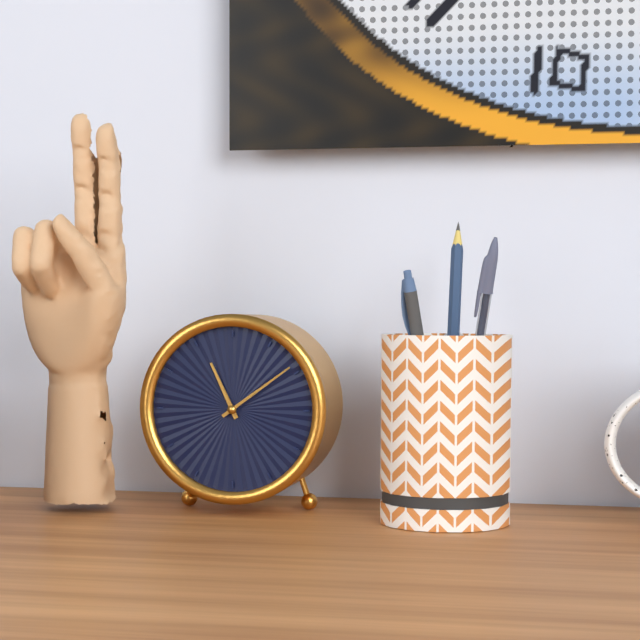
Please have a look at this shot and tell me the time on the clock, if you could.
11:09
